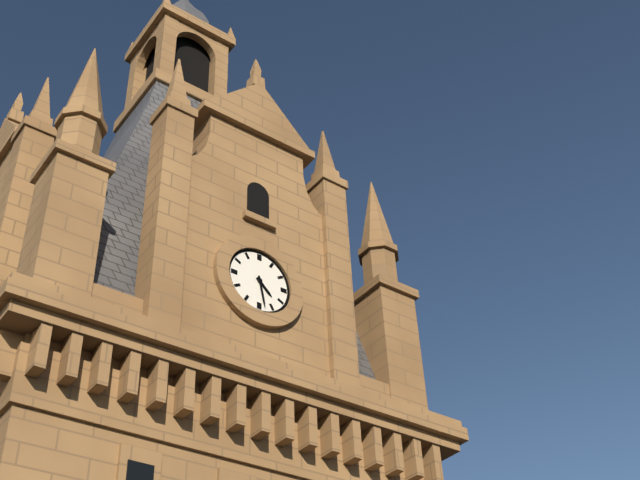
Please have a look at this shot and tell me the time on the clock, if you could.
4:28
